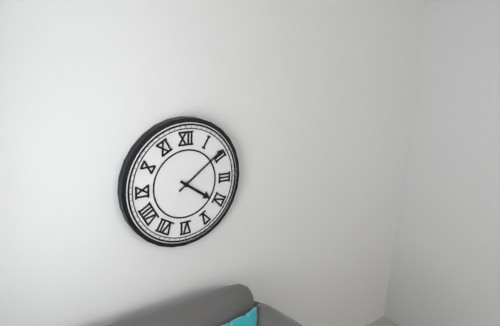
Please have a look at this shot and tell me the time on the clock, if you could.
4:09
